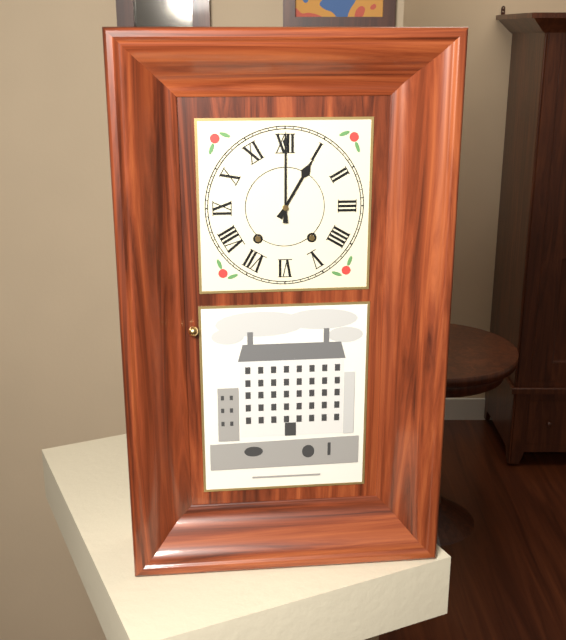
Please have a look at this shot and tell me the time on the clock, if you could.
1:00
